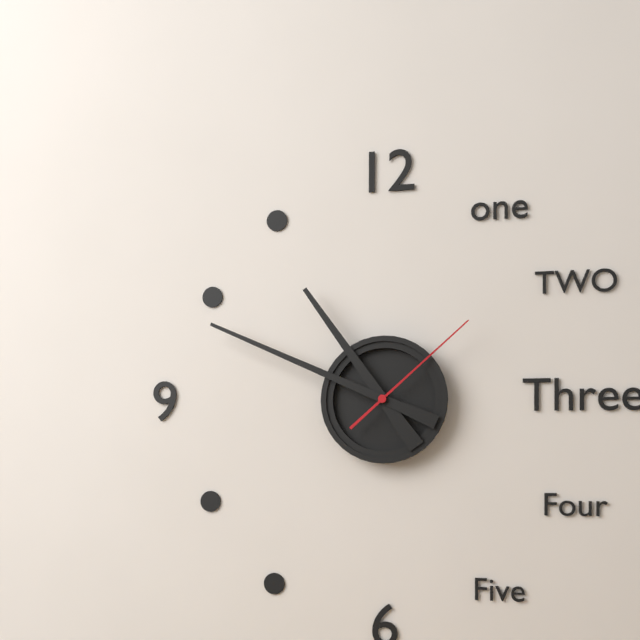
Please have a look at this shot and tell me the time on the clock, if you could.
10:49:08
